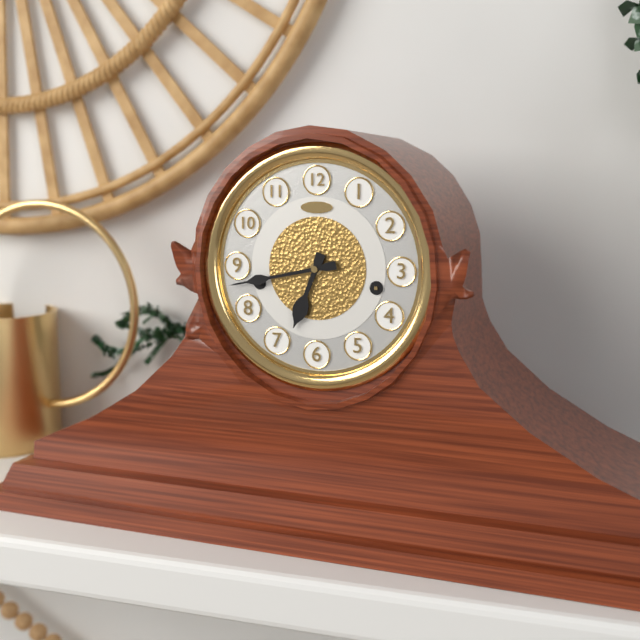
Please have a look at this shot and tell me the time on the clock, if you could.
6:43
